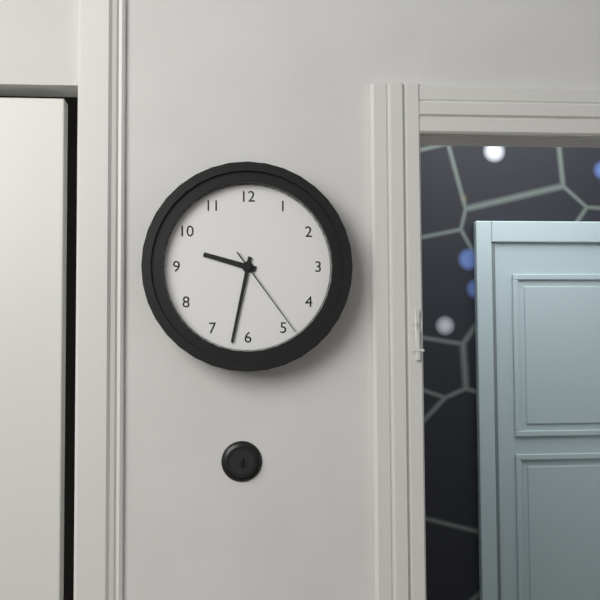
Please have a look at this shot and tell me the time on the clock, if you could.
9:32:24
